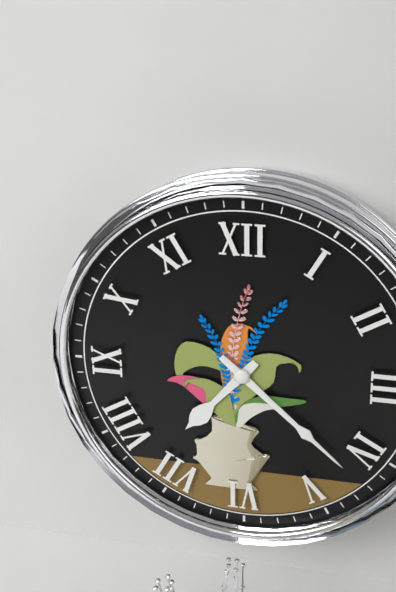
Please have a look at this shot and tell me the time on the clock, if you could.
7:22
